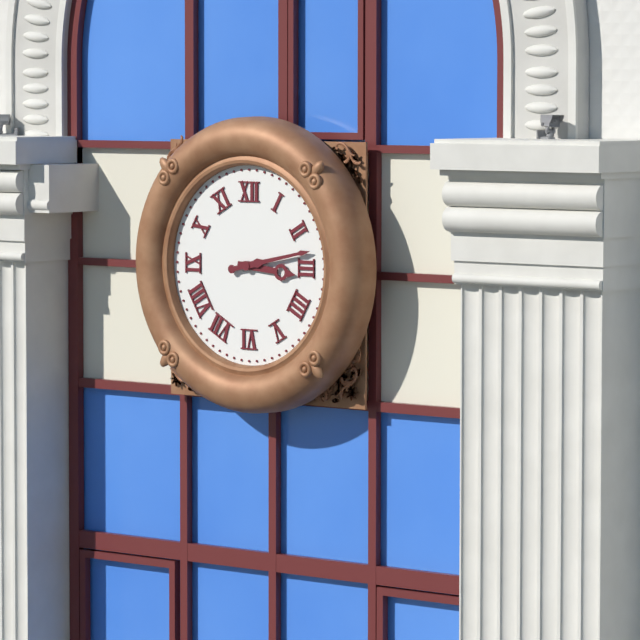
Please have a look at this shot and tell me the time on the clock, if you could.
3:13
